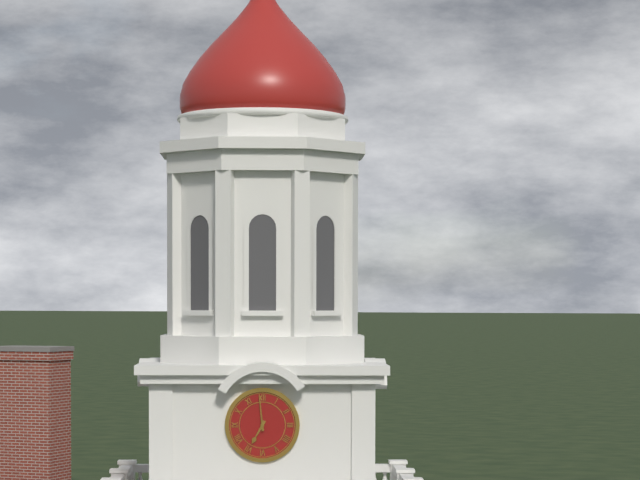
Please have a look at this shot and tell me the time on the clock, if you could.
6:59
